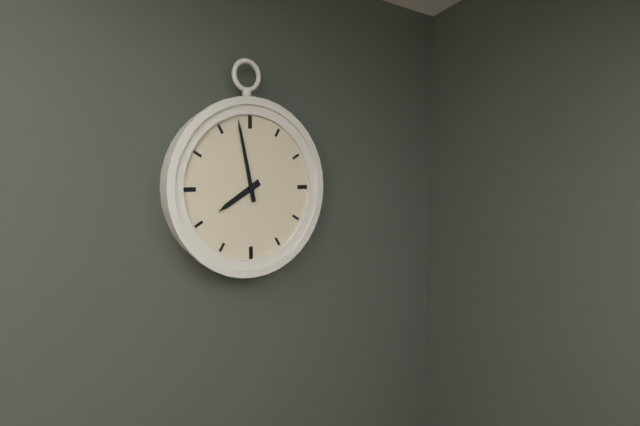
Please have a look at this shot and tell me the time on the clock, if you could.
7:58
